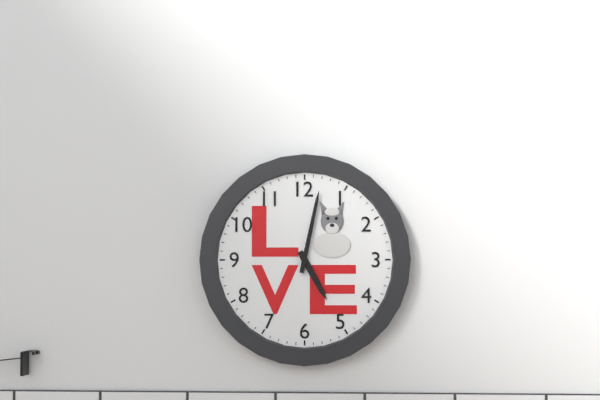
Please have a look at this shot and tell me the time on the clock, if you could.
5:02
